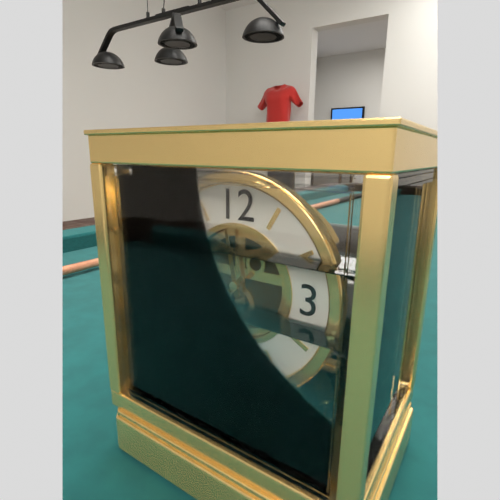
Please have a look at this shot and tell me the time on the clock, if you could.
11:37
